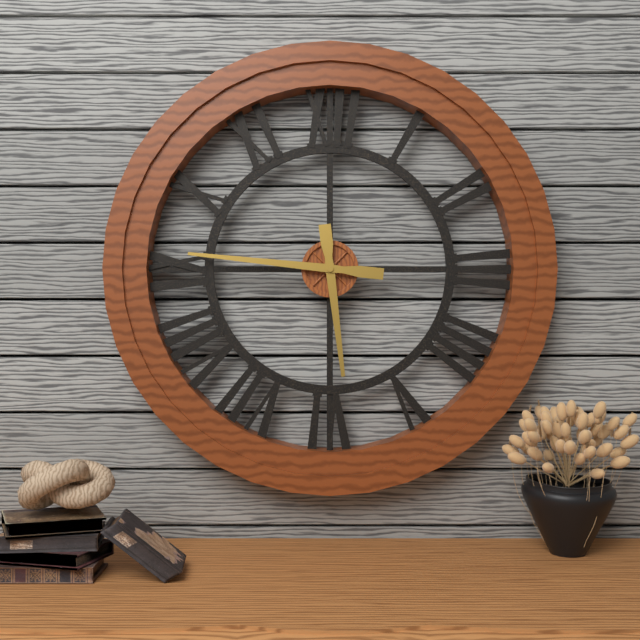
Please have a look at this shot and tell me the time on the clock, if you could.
5:46
